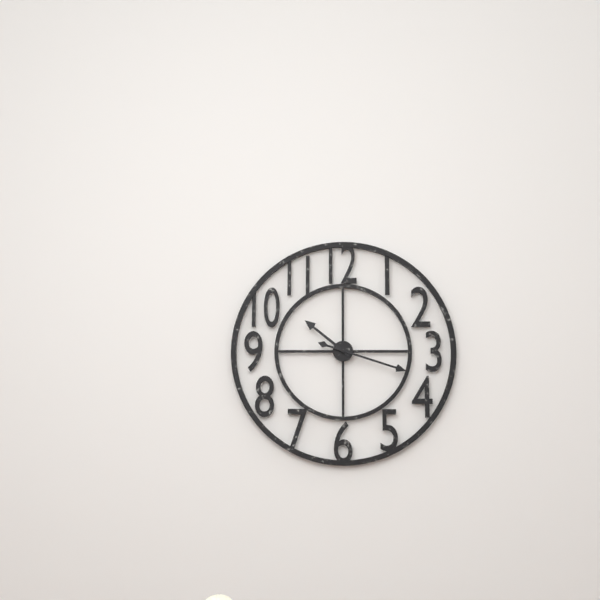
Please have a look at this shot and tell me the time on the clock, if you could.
10:18
